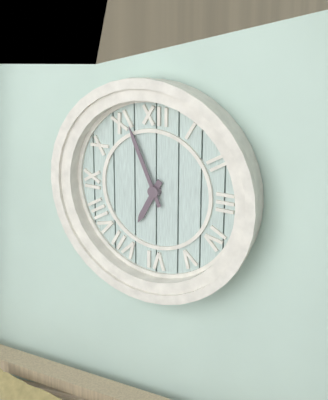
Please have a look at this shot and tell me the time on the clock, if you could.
6:56
